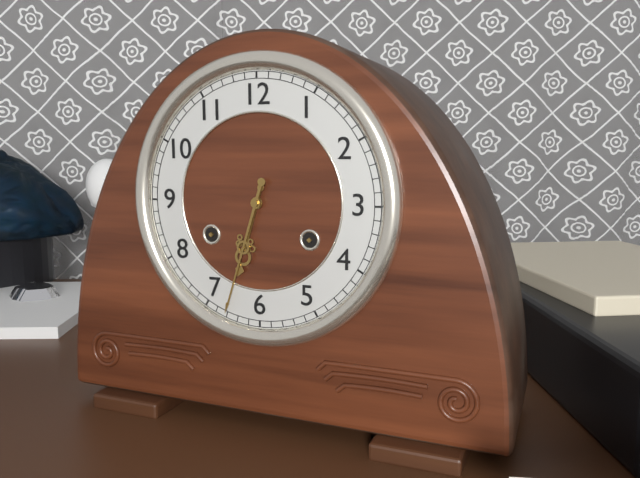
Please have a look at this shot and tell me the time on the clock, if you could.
6:33
